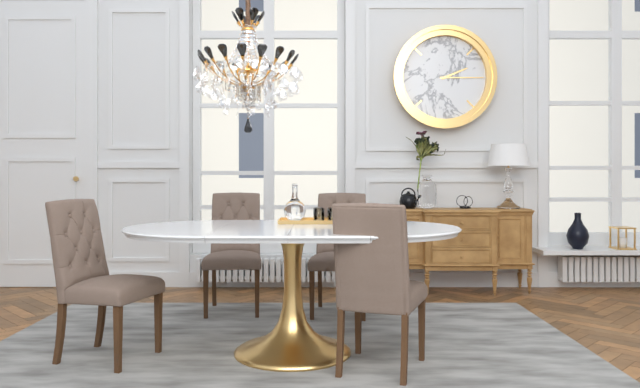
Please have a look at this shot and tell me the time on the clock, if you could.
2:15
